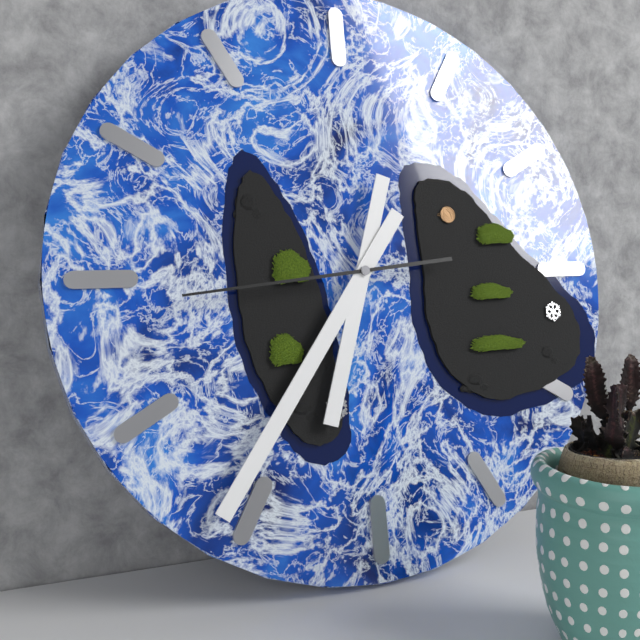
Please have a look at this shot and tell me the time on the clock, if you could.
6:36:44
